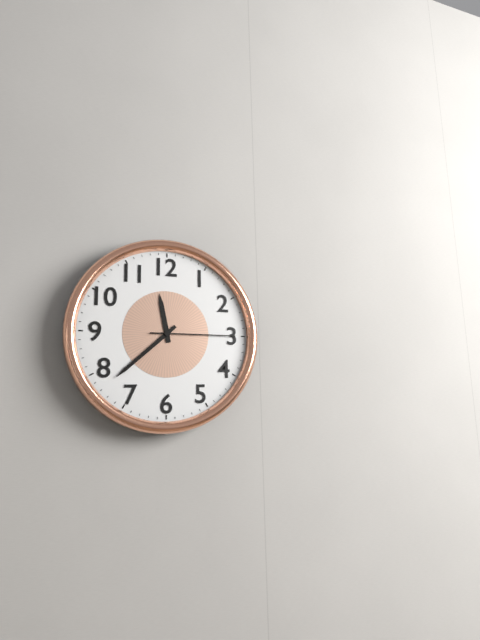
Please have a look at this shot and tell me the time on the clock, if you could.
11:38:15
